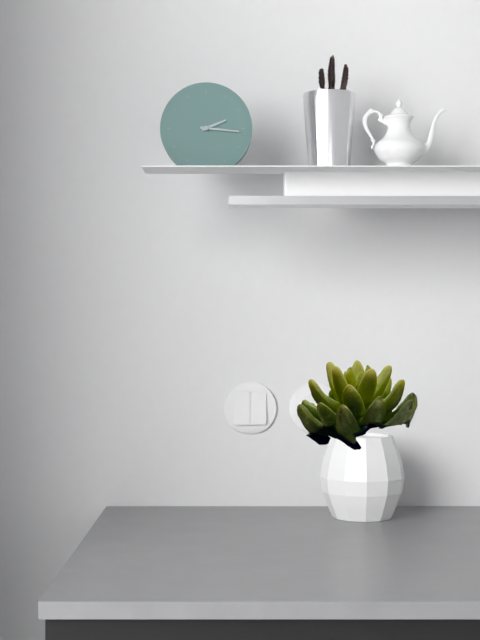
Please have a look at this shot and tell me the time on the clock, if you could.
2:16
